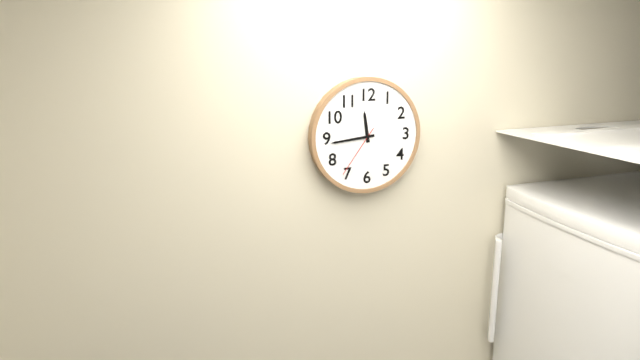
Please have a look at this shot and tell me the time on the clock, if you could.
11:44:36
